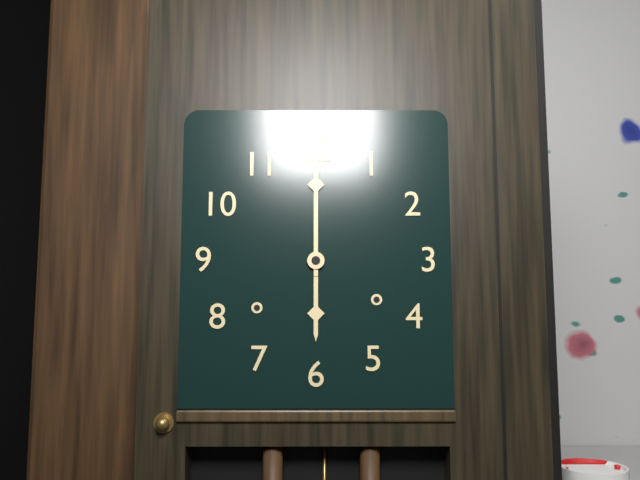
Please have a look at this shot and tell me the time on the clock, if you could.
6:00
